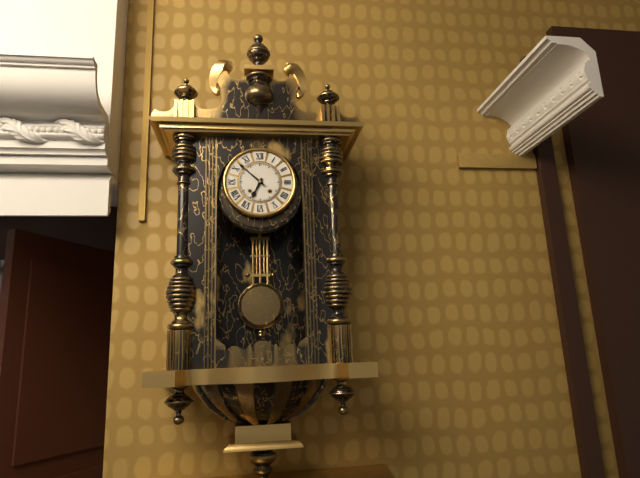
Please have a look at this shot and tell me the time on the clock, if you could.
6:52
